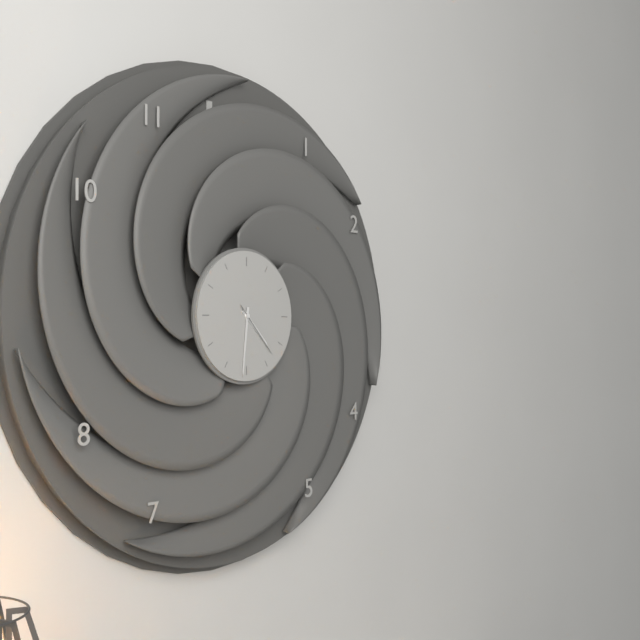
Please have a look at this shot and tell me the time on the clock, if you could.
4:31:23
